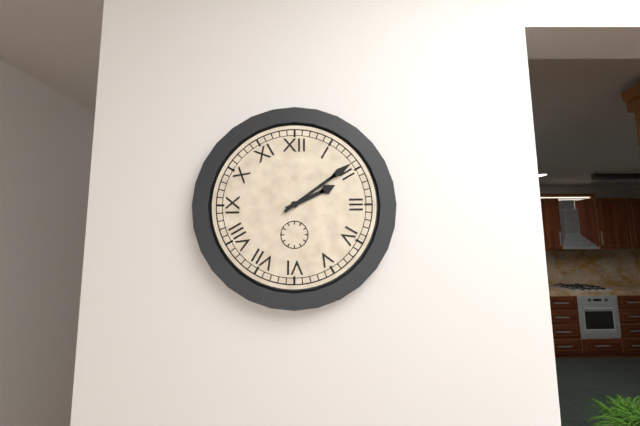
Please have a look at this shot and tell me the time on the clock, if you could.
2:09
